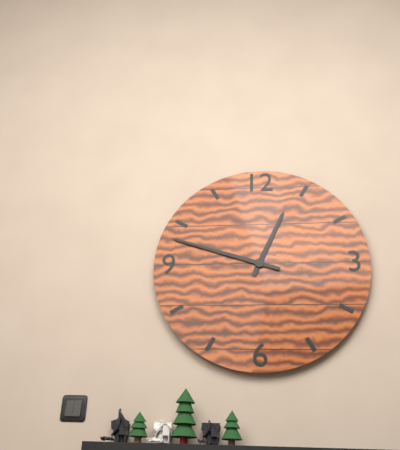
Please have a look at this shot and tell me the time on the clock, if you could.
12:48
